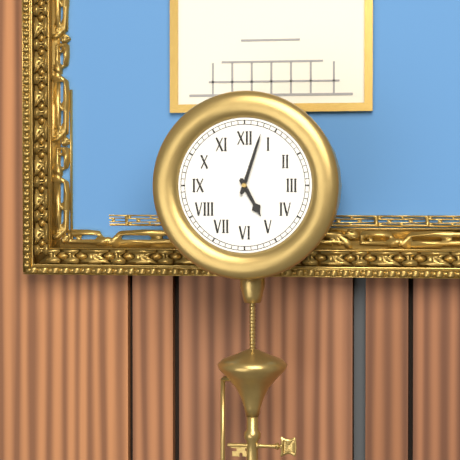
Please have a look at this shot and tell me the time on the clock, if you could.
5:03
